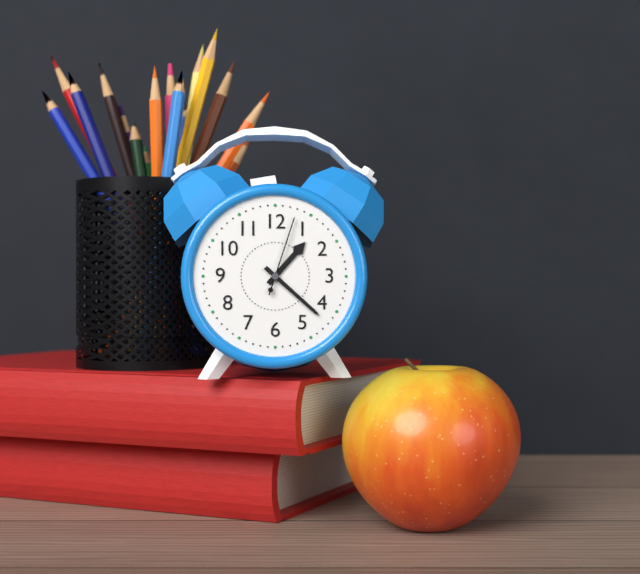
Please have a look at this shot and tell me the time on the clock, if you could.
1:22:03
